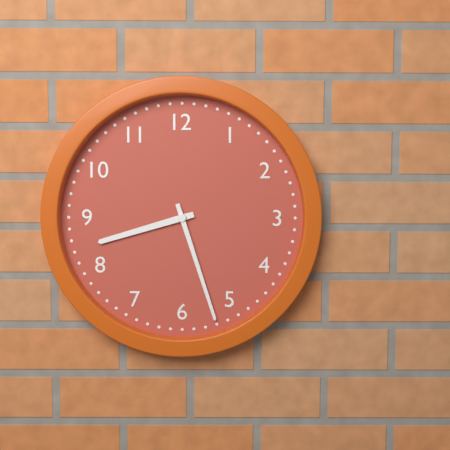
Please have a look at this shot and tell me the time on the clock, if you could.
8:27
